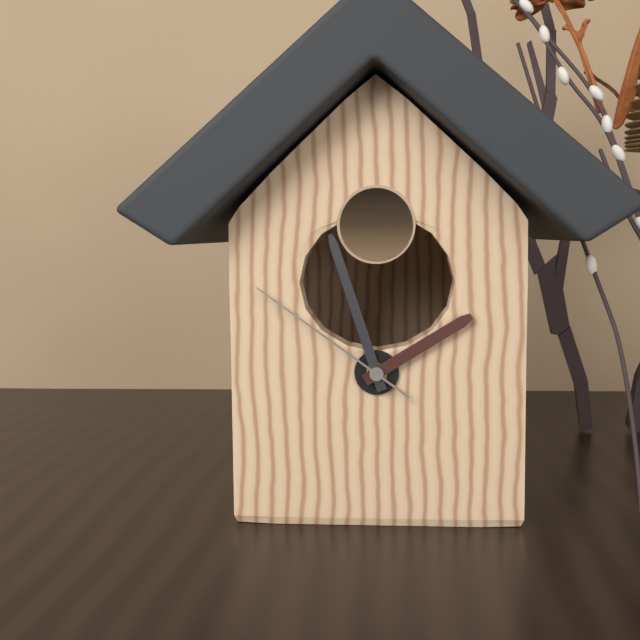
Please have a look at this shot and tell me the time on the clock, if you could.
1:57:51
